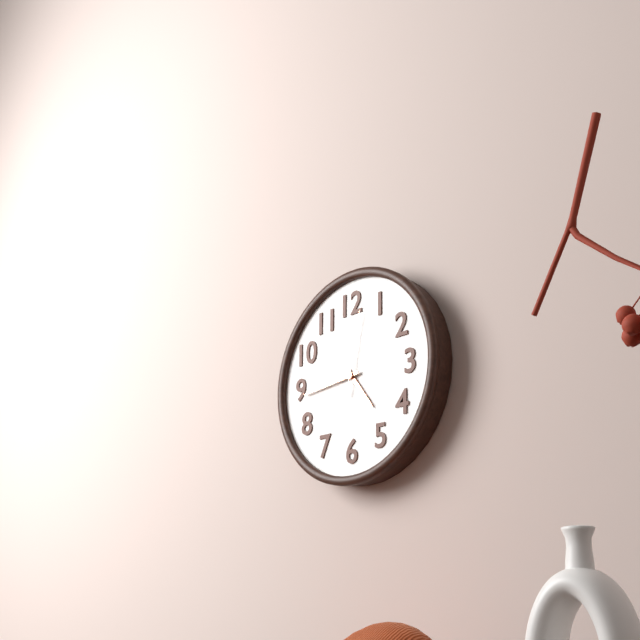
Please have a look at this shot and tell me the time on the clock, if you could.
4:44:02
